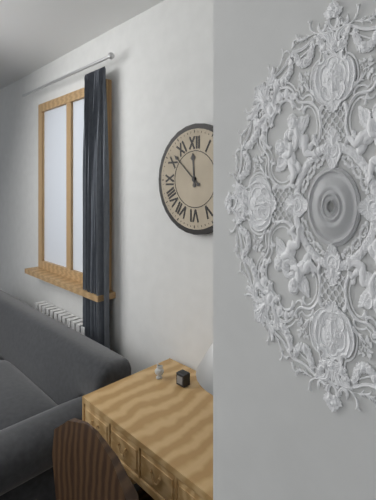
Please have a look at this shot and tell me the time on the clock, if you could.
11:52
